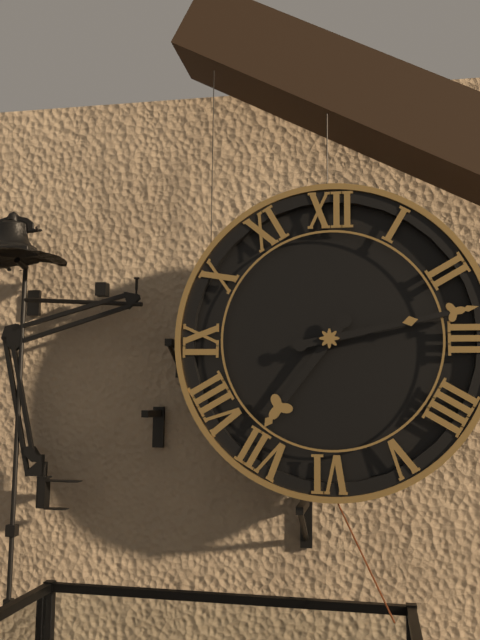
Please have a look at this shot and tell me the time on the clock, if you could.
7:13
